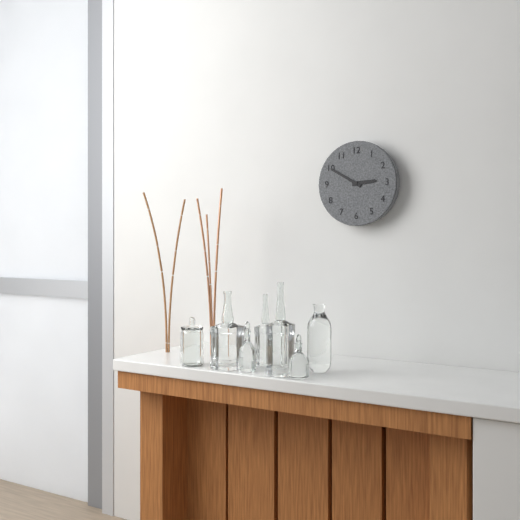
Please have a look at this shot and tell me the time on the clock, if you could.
2:50
